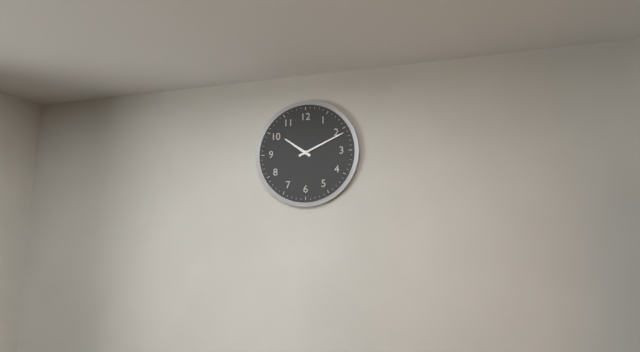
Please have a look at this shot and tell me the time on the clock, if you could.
10:11
